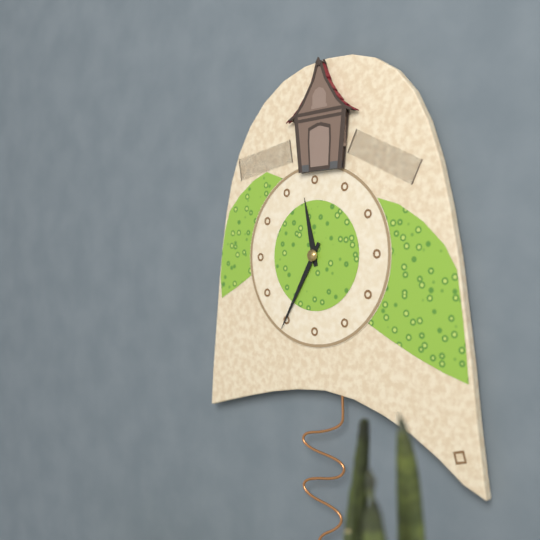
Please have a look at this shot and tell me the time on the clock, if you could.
11:35
